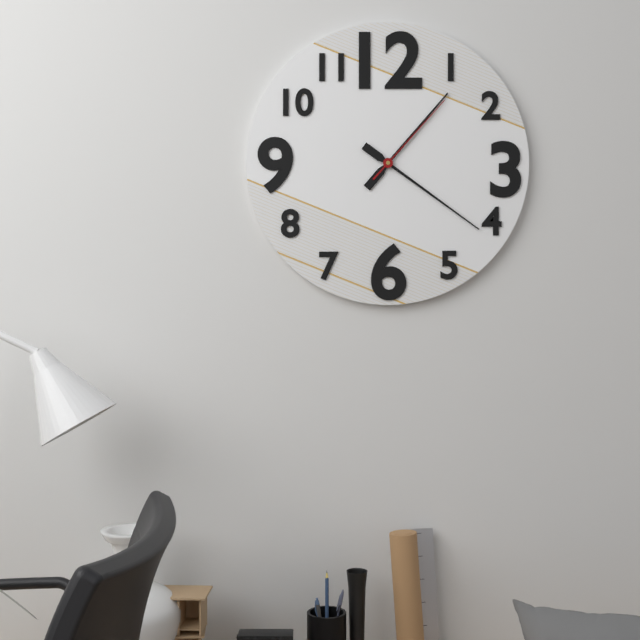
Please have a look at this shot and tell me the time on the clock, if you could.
1:21:07
